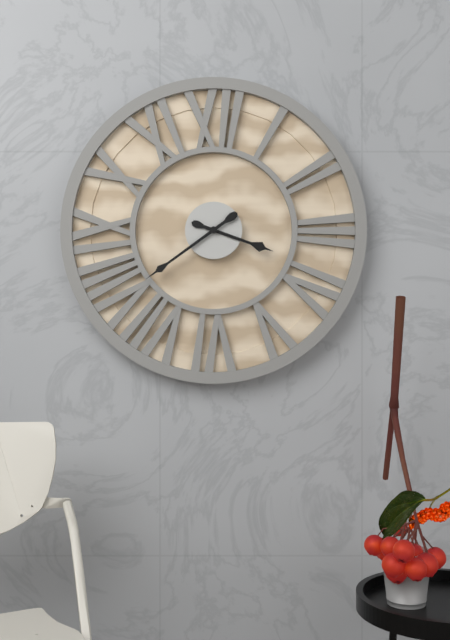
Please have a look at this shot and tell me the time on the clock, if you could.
3:39
